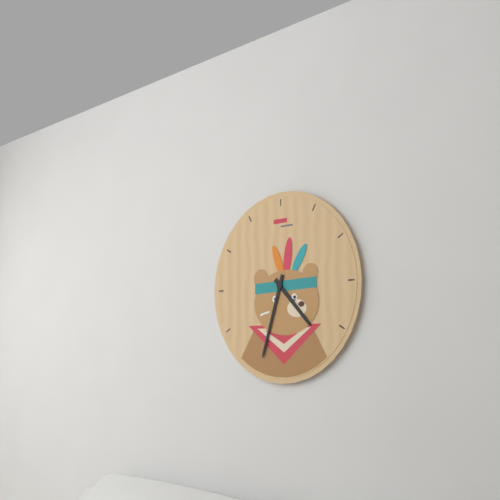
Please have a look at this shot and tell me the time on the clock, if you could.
4:33
